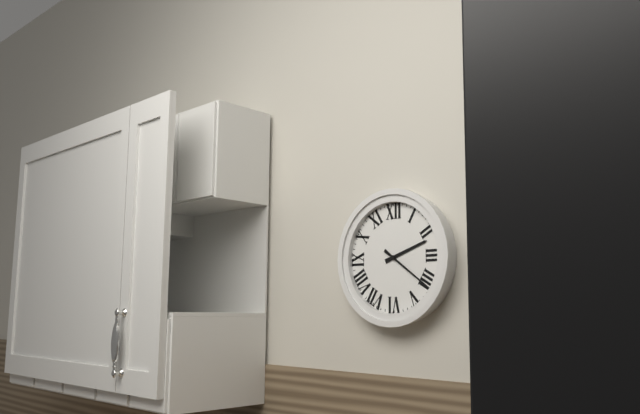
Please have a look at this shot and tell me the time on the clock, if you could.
2:21
